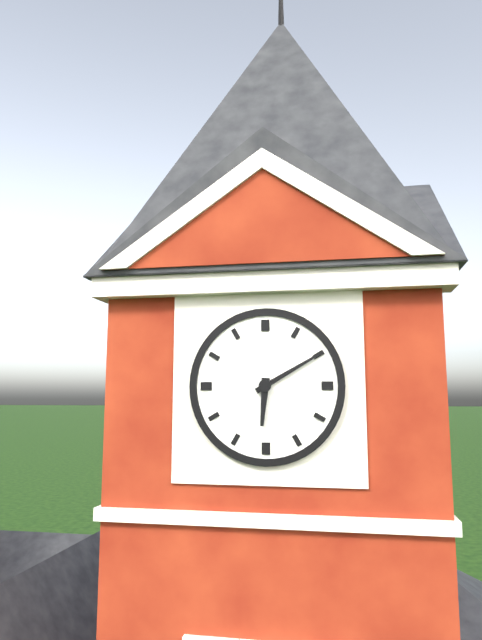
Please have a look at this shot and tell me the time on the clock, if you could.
6:10
